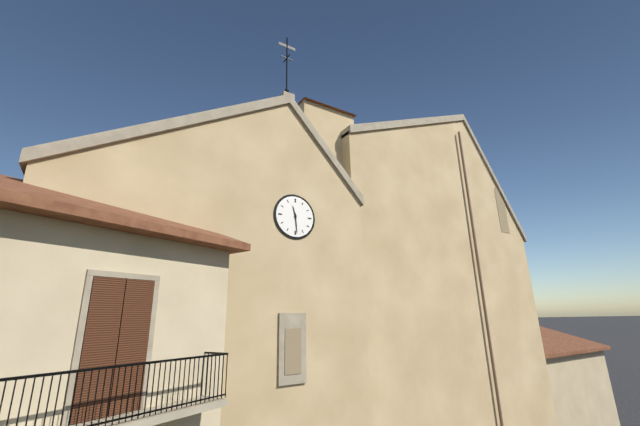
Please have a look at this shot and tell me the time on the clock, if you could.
11:29
